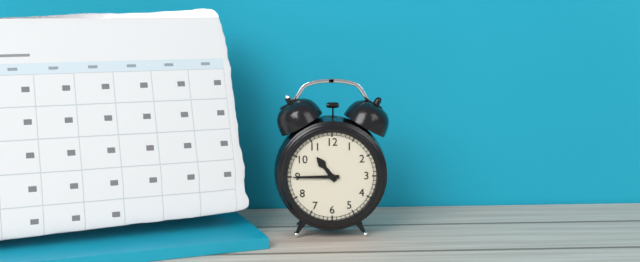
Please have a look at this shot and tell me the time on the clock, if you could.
10:45
